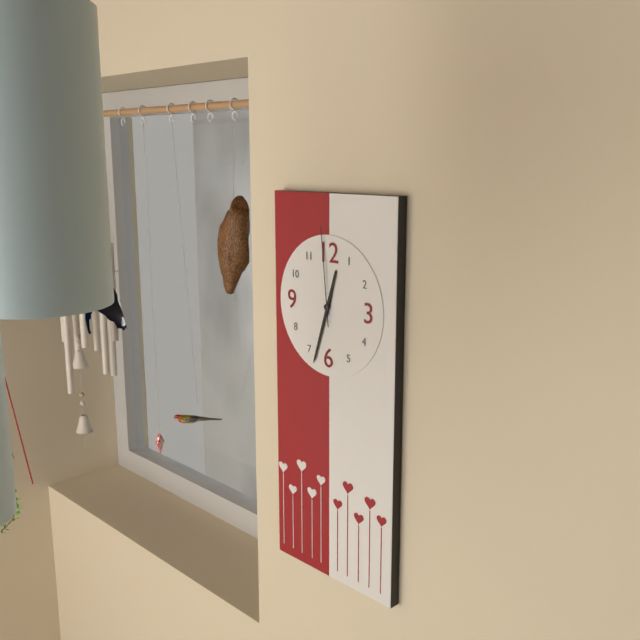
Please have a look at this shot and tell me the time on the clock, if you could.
12:33:59
